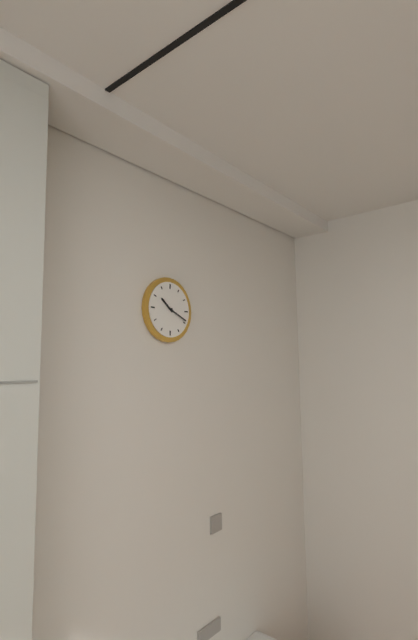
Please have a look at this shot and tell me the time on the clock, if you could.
10:19
